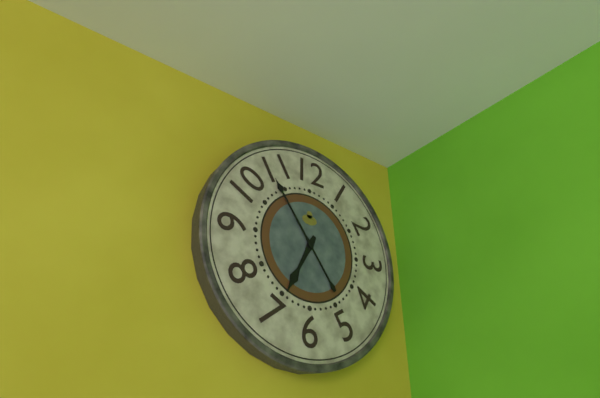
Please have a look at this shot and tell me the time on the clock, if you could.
6:54
